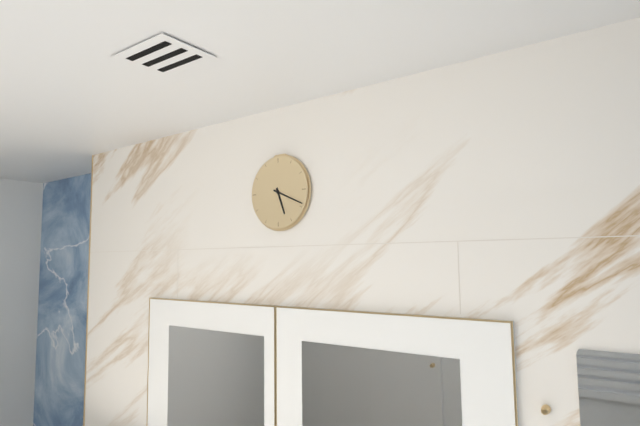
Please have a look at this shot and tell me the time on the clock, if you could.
5:19
